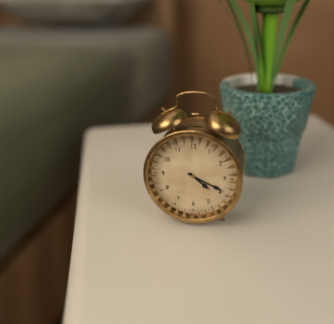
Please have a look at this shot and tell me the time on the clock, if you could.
4:19
